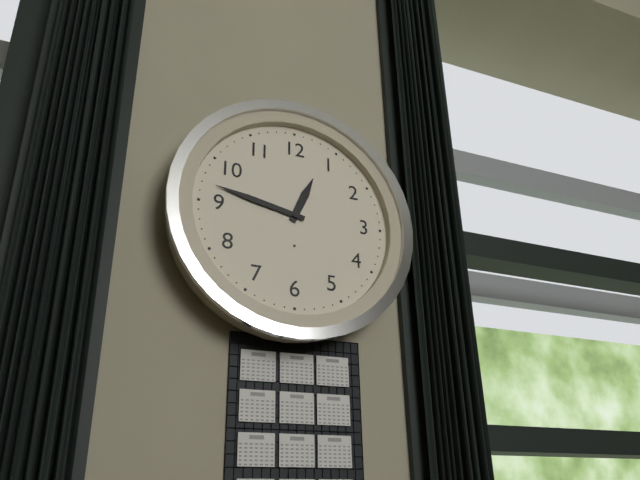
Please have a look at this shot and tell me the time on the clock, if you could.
12:47
